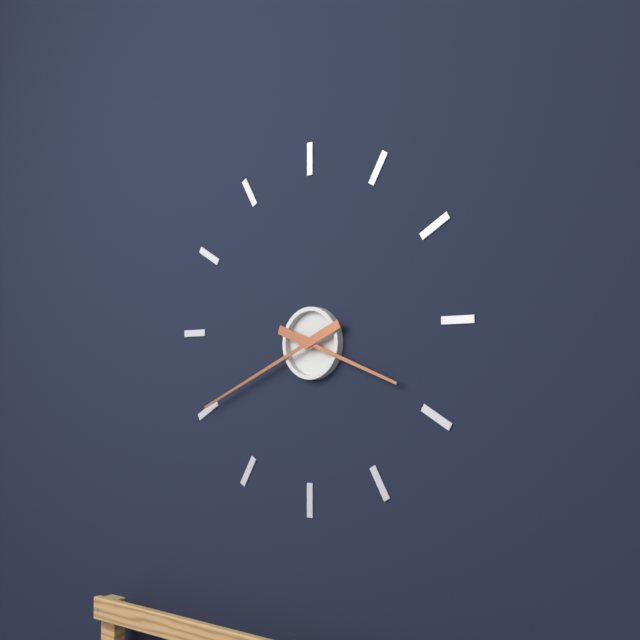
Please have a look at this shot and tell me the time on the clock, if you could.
3:41
